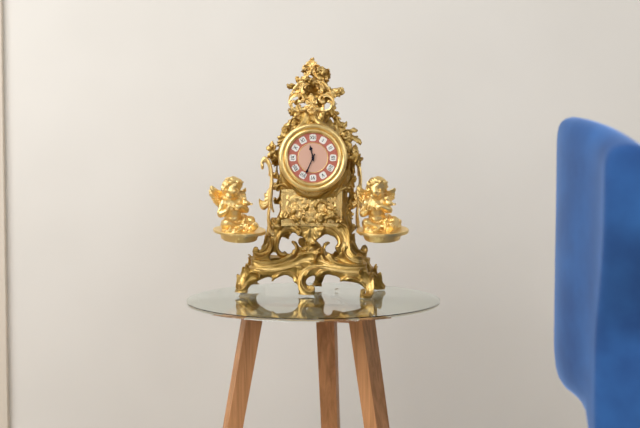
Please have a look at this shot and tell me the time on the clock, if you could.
11:34
